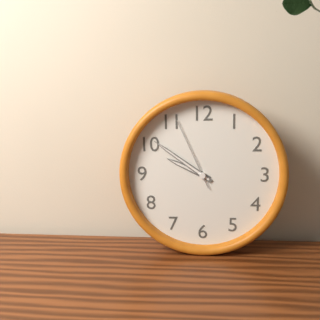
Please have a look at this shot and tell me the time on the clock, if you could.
9:51:56
